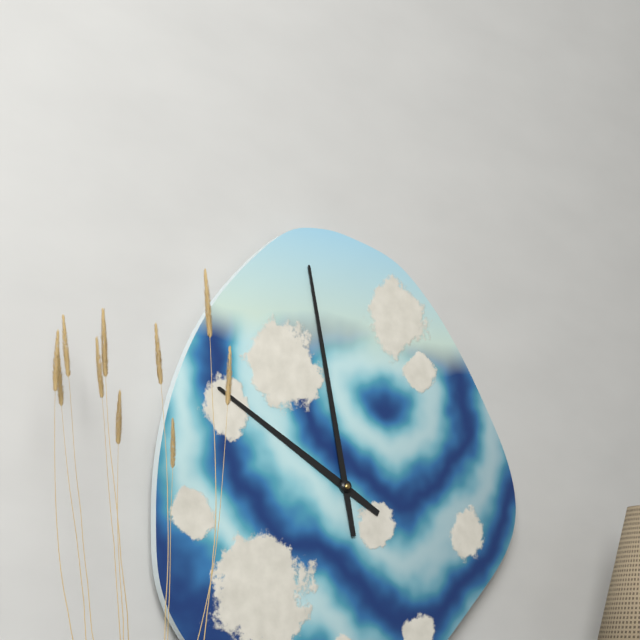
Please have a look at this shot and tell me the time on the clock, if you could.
9:58
